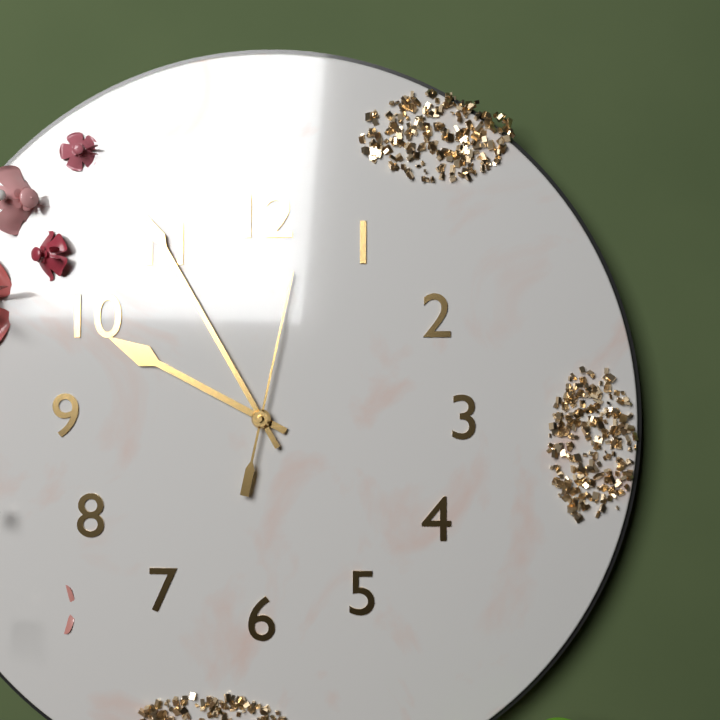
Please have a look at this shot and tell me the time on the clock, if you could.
9:55:02
